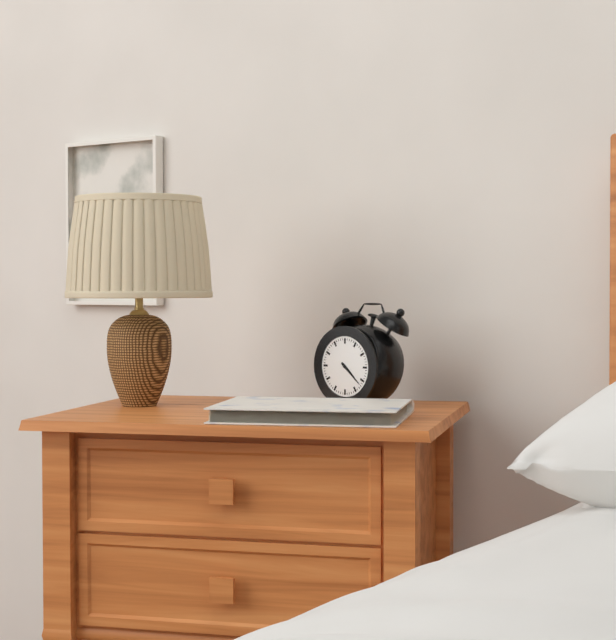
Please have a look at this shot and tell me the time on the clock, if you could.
4:22
